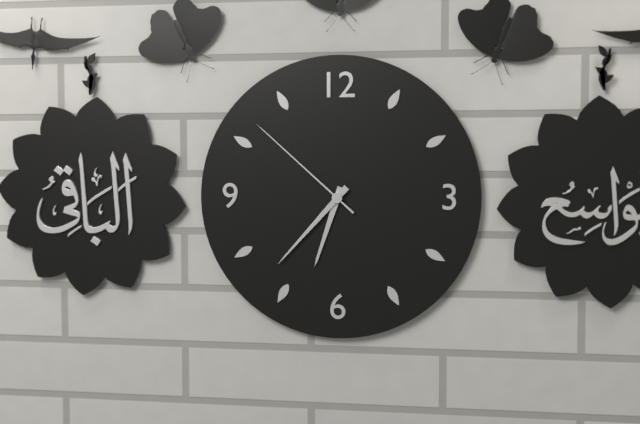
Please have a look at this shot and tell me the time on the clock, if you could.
6:37:52
